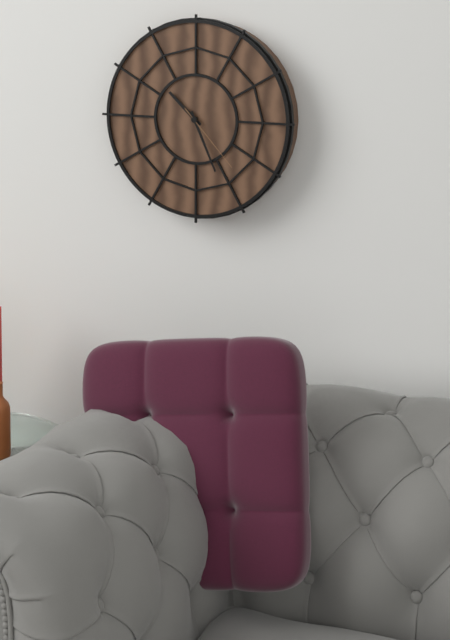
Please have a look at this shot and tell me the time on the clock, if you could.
10:26:23
